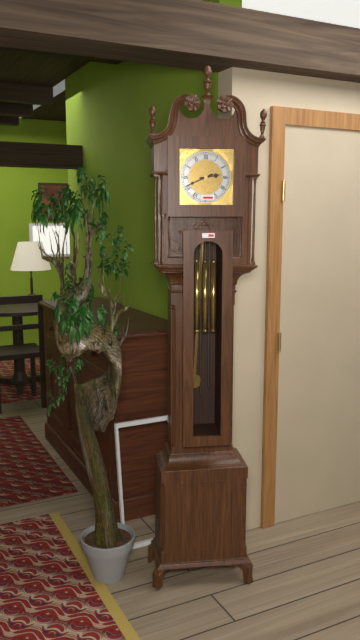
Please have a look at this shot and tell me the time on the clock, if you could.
2:41
